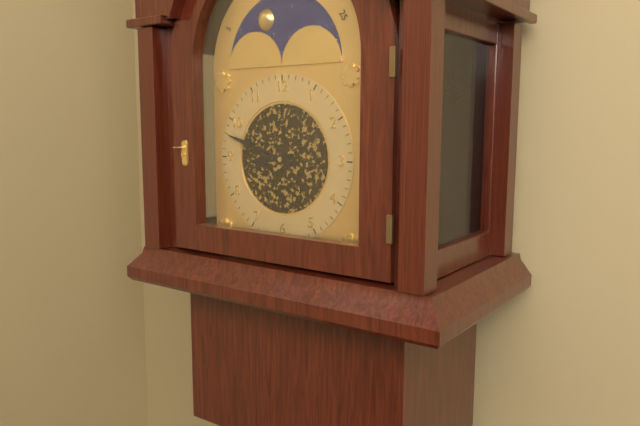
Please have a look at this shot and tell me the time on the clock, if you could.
8:48
